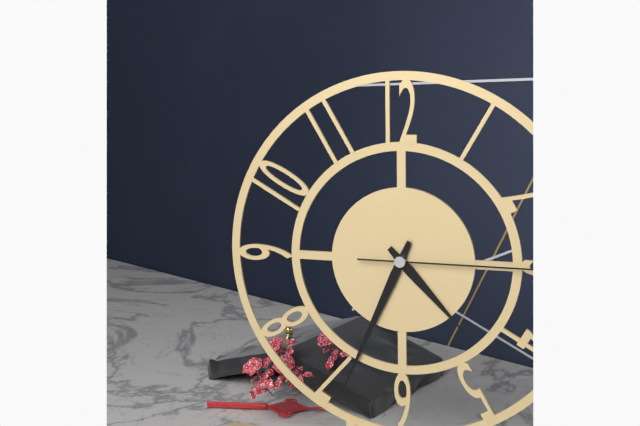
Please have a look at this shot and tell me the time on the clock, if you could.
4:34:15
